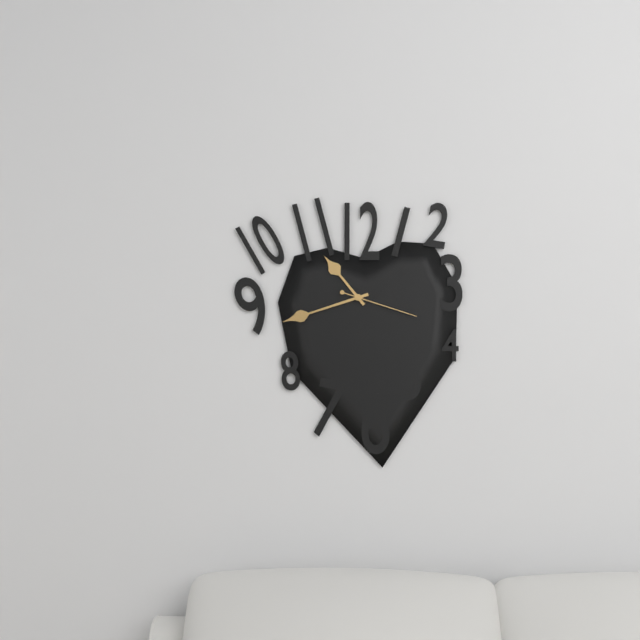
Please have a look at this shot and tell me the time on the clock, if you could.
10:42:18
